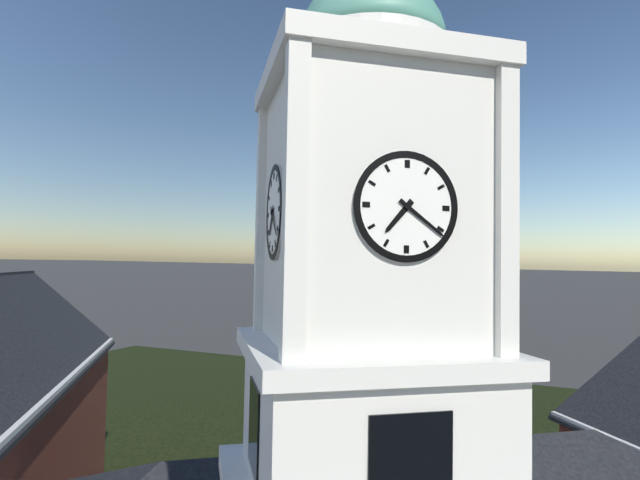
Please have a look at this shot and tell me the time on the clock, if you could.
7:21
